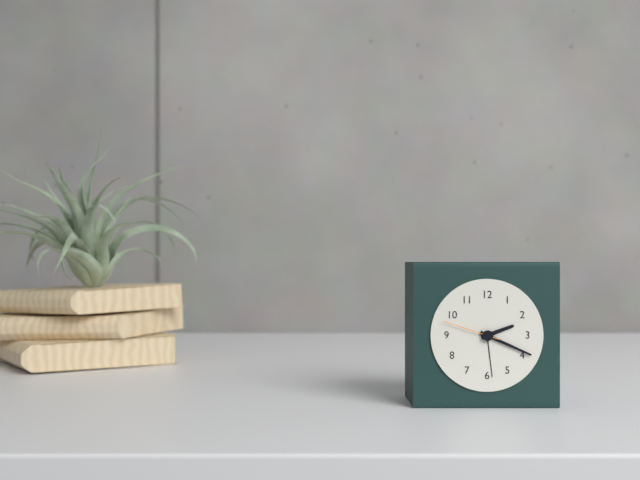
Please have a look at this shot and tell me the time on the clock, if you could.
2:19:48
